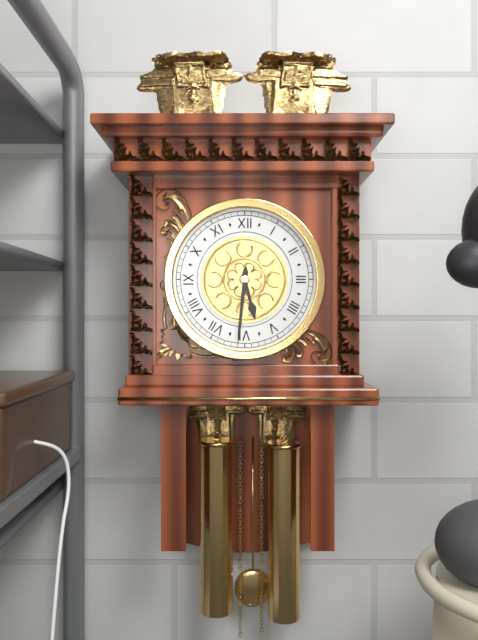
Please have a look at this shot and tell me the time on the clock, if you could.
5:31
